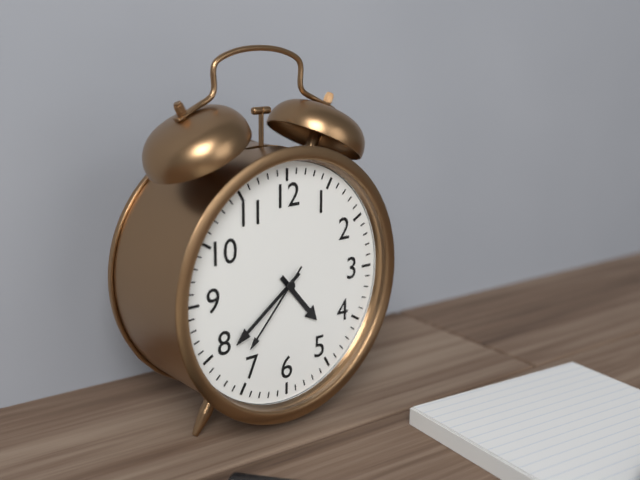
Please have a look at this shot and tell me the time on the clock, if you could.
4:39:37
